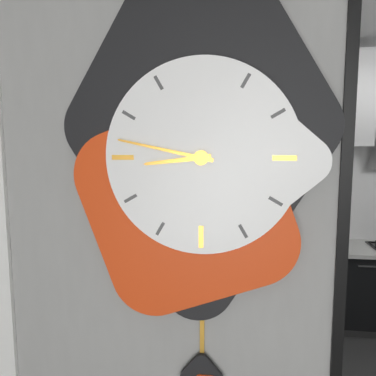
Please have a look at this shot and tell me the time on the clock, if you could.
8:47
